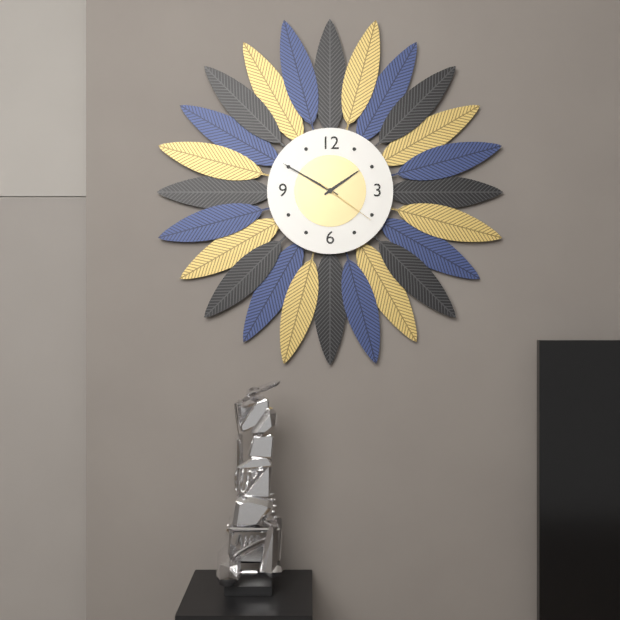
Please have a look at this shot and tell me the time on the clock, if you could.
1:50:21
